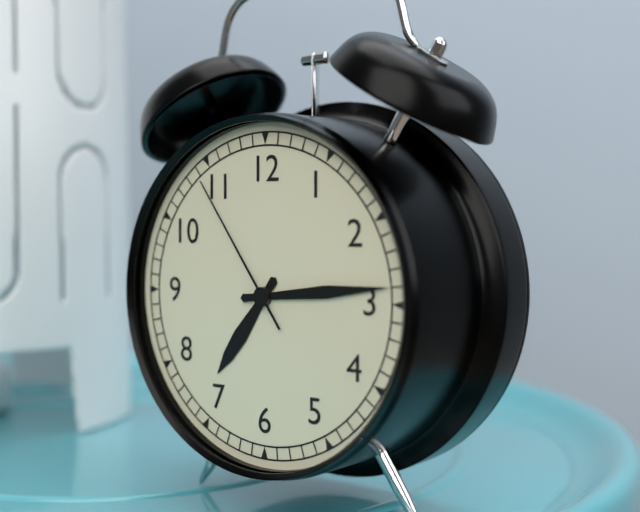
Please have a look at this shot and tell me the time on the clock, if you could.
7:14:54
